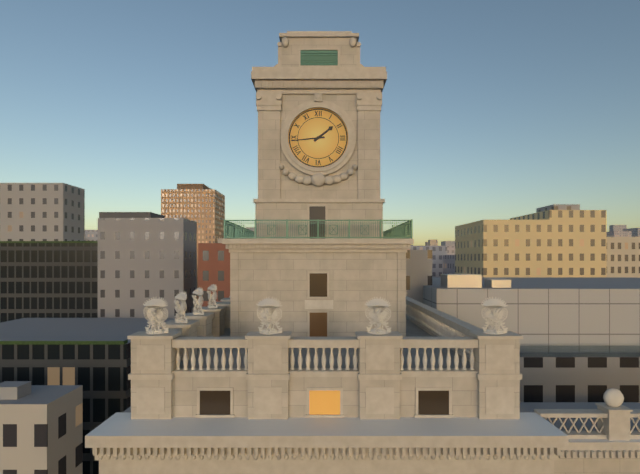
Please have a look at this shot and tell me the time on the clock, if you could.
1:44
